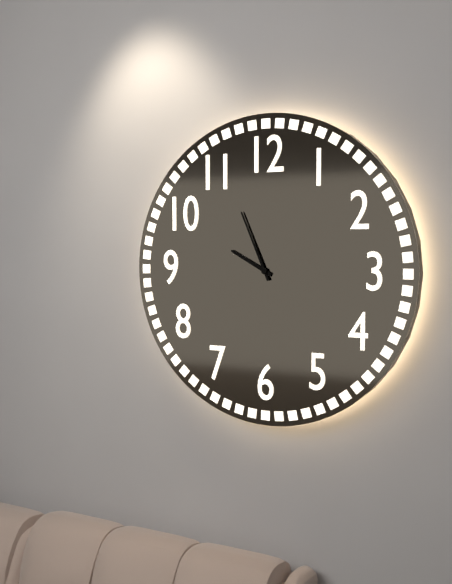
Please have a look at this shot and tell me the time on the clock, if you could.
9:56
